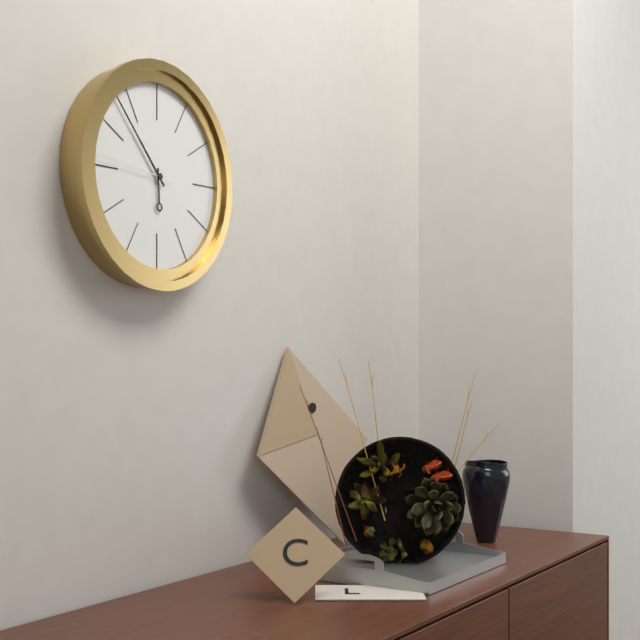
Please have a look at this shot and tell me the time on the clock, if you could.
5:53:46
